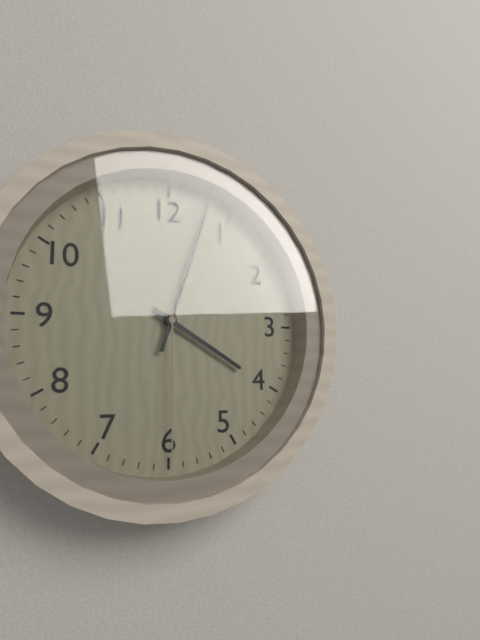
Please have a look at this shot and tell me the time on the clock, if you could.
4:03:30
